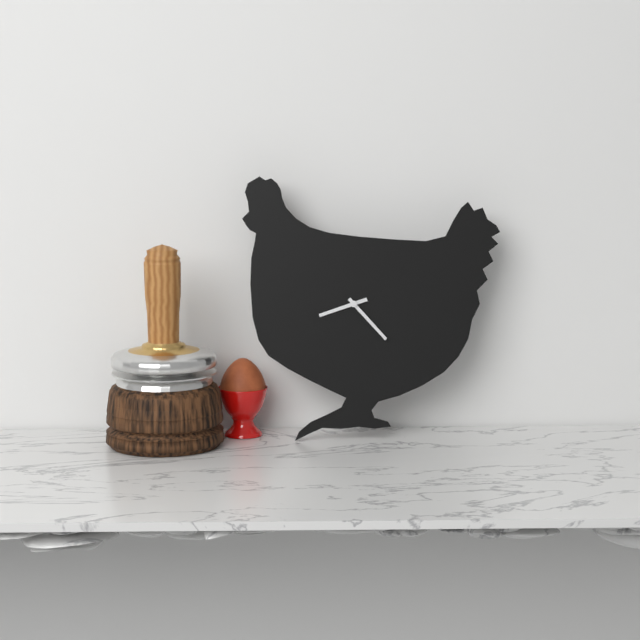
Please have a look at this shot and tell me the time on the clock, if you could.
8:23
